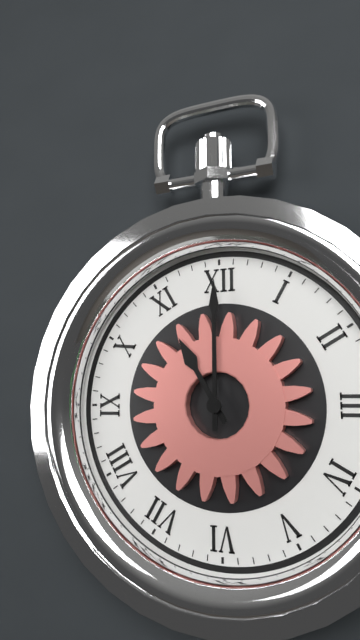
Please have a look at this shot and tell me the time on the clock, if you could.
11:00
